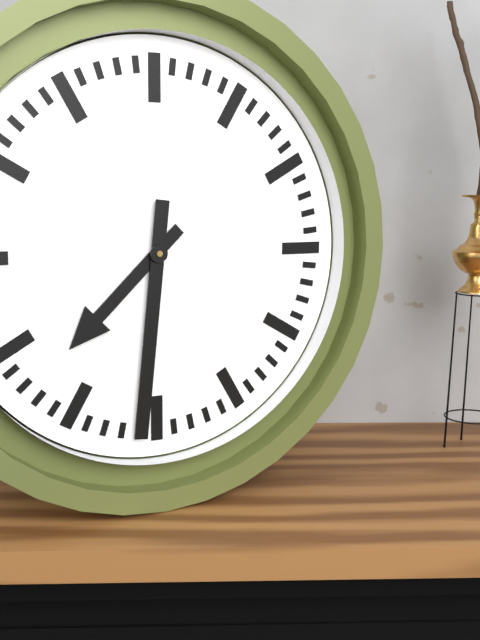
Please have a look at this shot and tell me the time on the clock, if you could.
7:31
